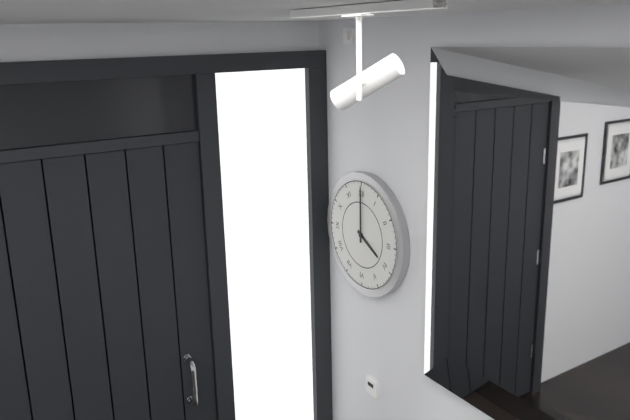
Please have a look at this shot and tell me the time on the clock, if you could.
4:00
